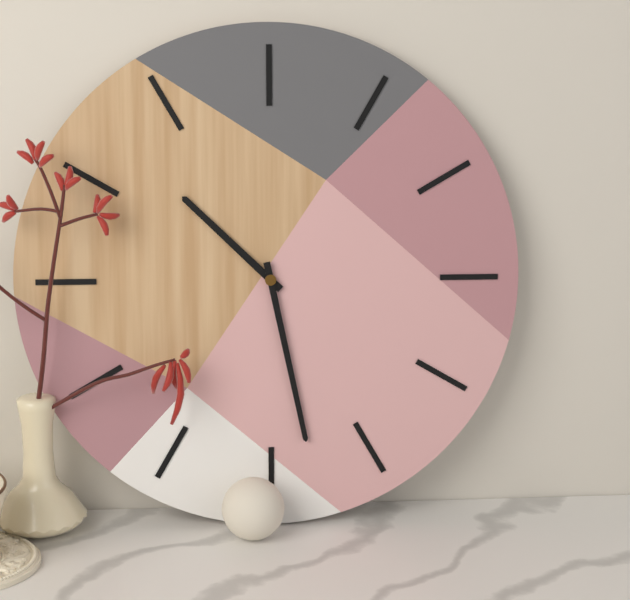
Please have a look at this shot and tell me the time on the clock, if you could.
10:28
